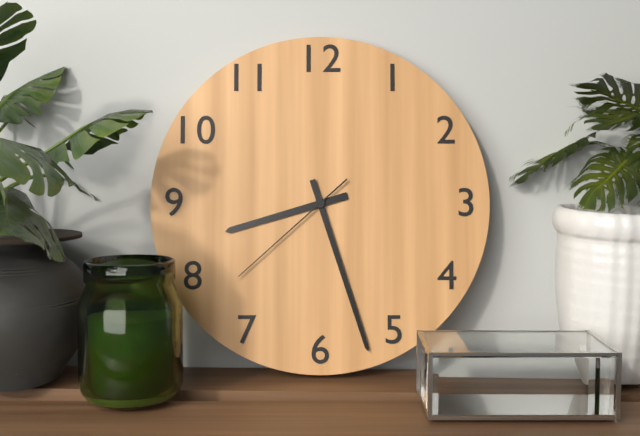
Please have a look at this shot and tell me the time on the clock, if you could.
8:27:38
